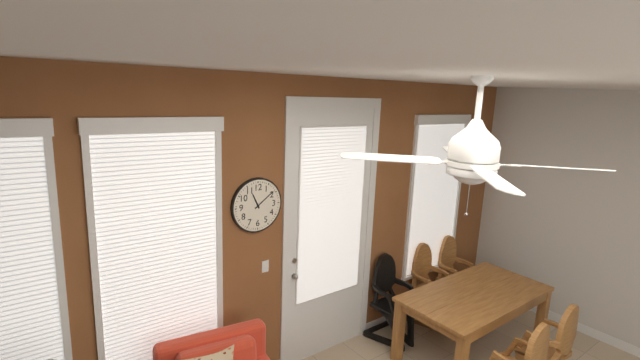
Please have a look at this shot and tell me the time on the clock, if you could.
11:09
